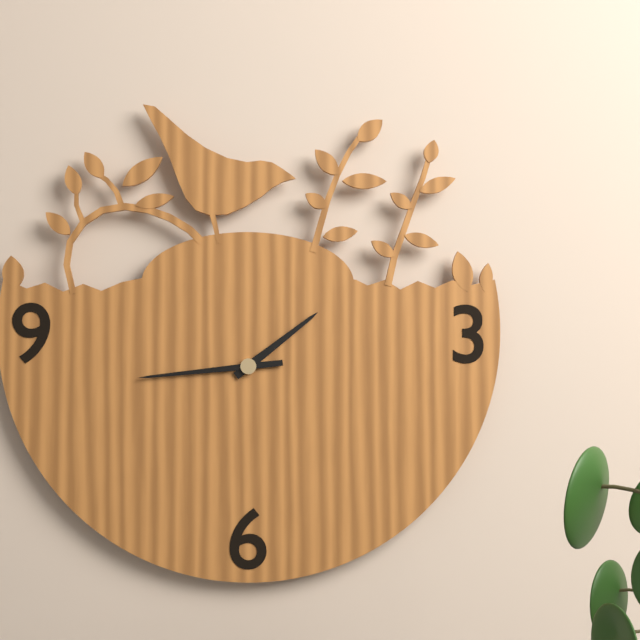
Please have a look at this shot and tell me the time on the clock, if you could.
1:44
